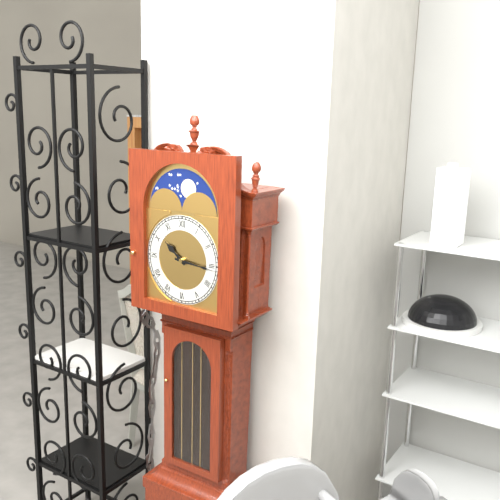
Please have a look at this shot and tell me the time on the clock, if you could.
10:16
